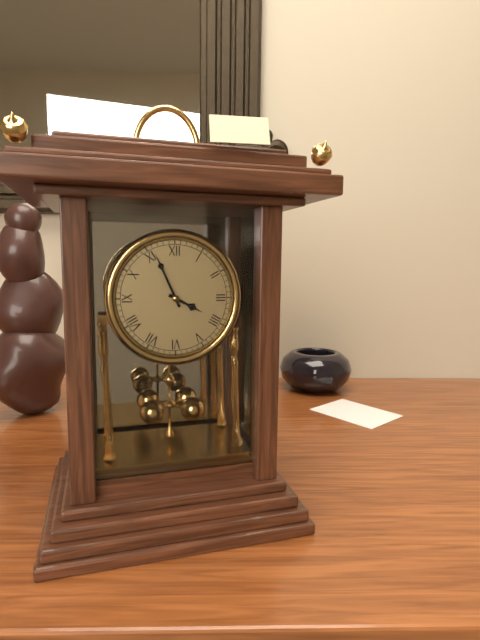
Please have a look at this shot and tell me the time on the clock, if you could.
3:56
